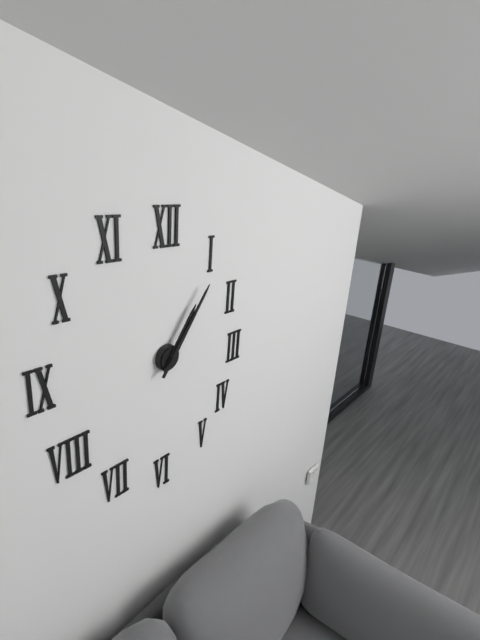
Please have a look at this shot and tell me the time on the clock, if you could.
1:06
